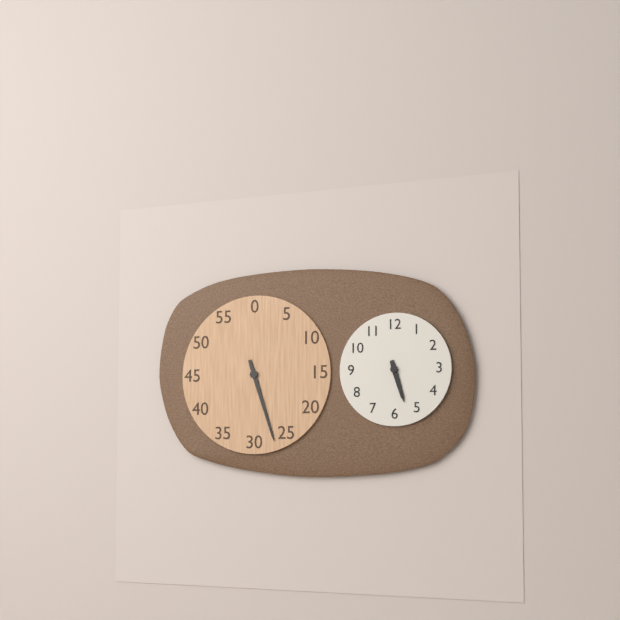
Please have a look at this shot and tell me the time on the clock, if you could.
5:27
